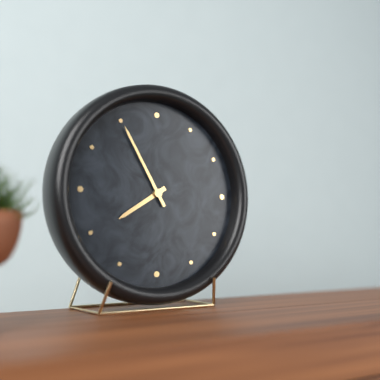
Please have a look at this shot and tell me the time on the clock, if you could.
7:55
